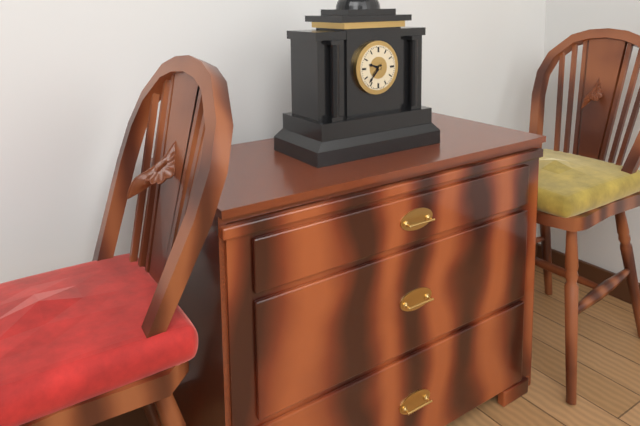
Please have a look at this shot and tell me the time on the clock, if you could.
9:37
